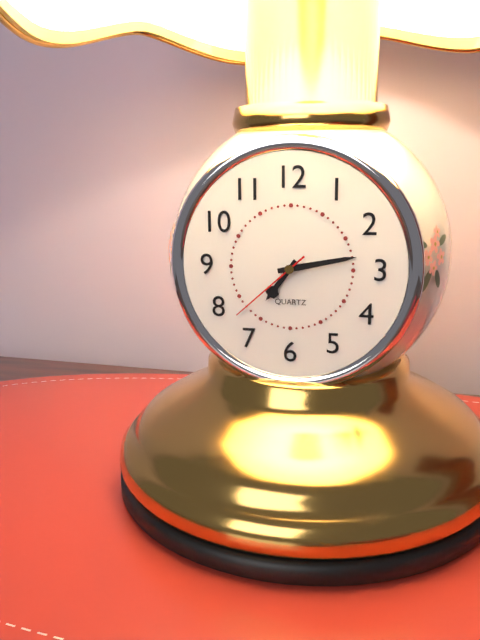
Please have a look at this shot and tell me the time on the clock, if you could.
7:13:38
